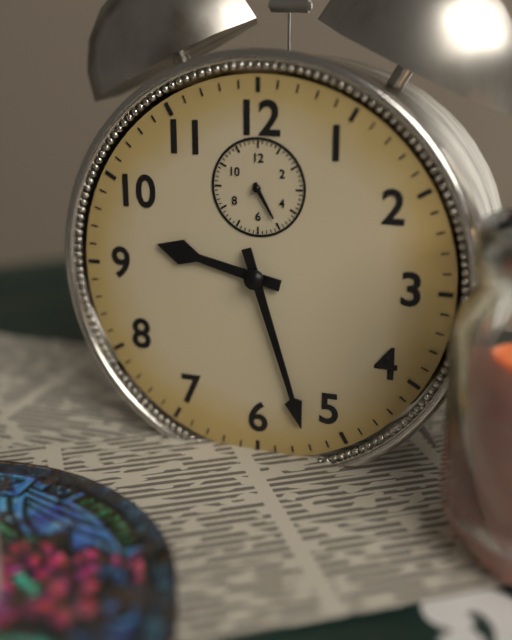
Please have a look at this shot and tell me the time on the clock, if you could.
9:27
